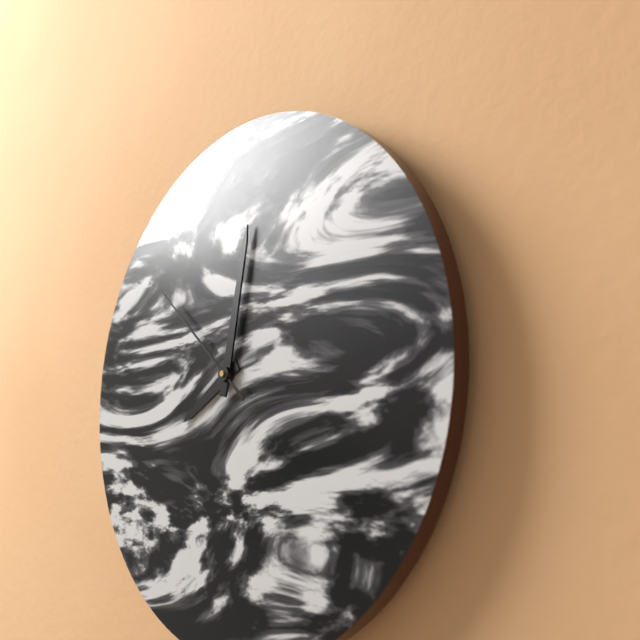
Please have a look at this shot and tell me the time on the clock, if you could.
8:02:52
